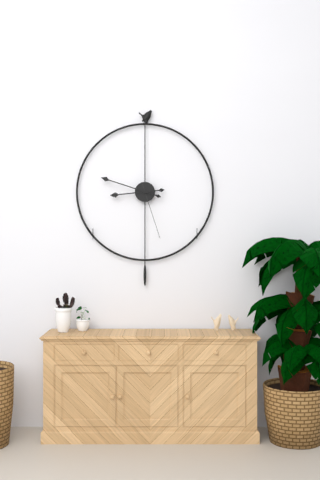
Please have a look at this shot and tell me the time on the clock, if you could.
8:48:27
